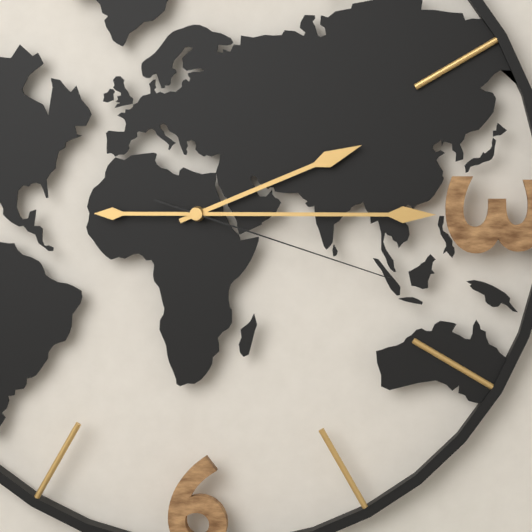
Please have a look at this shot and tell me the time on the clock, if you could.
2:15:18
